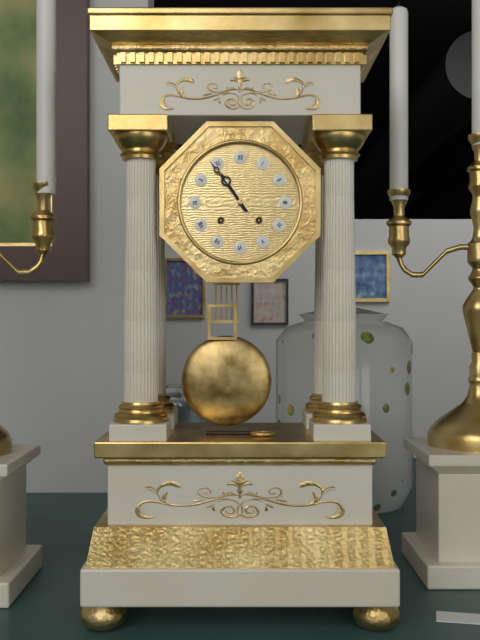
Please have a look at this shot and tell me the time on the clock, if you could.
10:54
